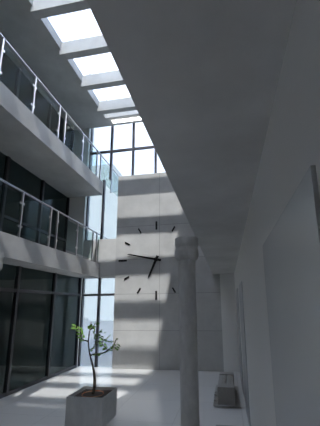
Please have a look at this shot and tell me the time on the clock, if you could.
6:47
